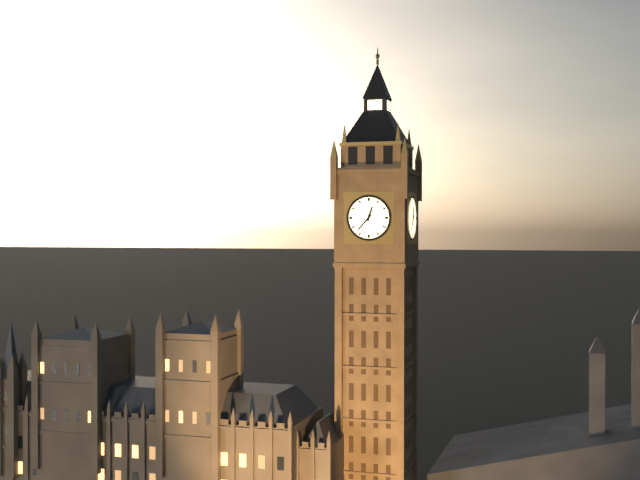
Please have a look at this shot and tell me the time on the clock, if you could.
12:37
